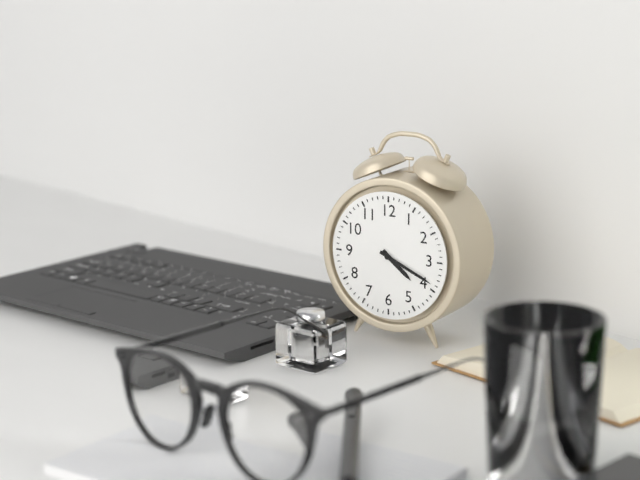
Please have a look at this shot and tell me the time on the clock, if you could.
4:19
